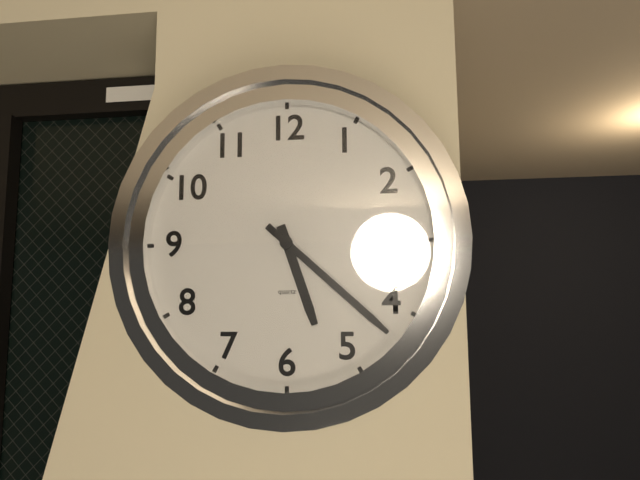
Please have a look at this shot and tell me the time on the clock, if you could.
5:22
